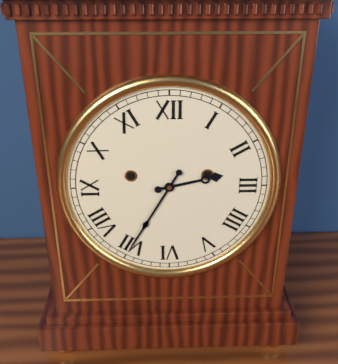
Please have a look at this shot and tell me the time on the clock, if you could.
2:35
